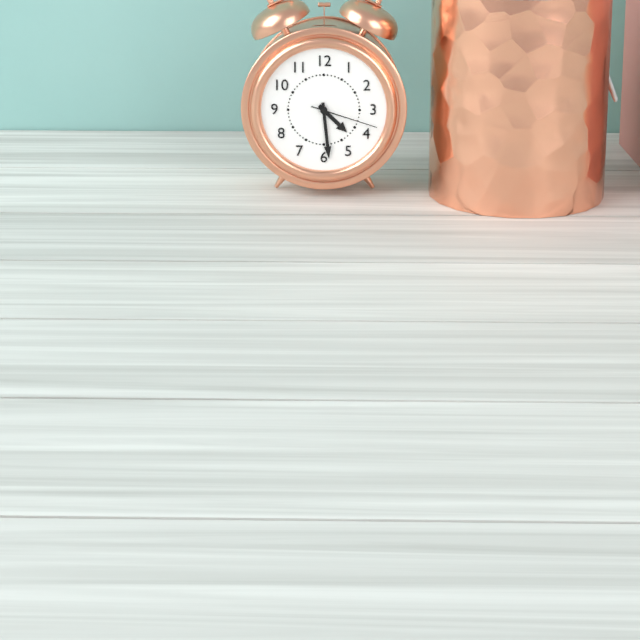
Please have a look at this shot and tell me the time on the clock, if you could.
4:29:18
